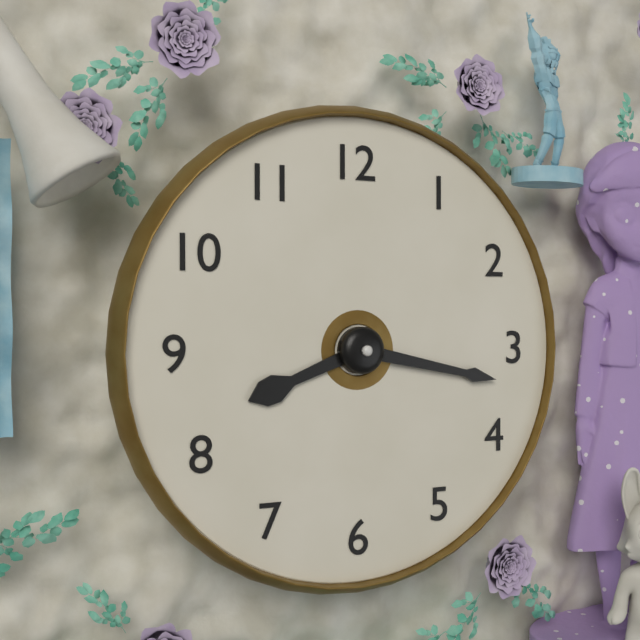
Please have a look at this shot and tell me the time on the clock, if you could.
8:17
